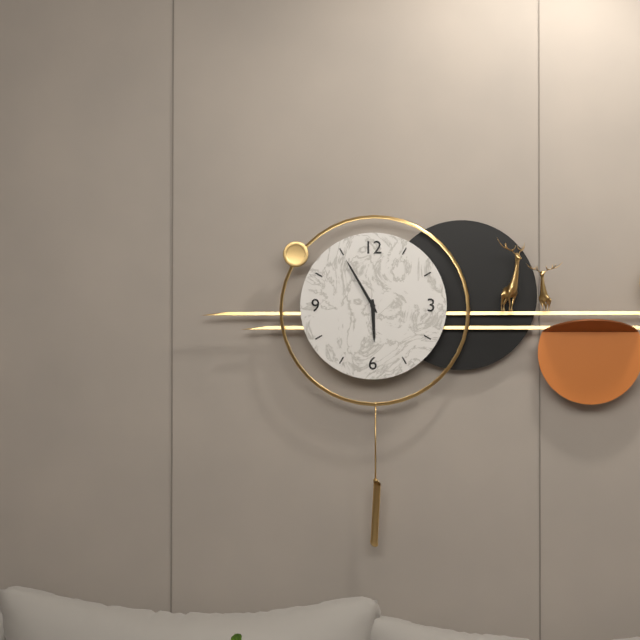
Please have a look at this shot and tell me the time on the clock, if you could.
5:55
